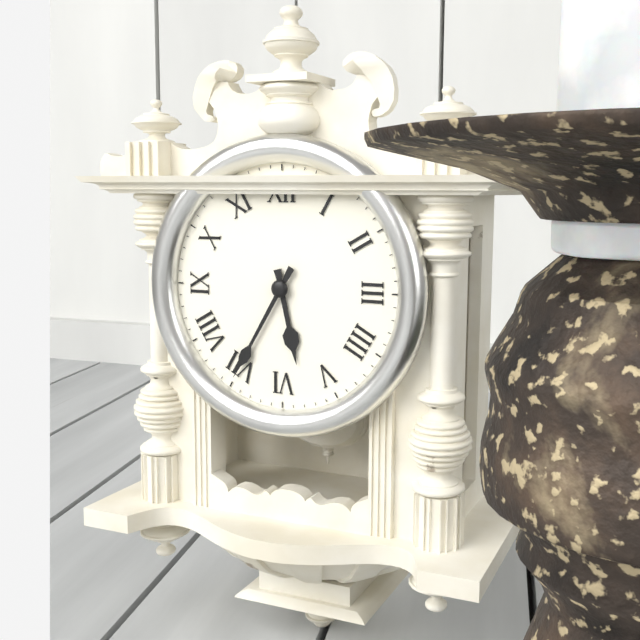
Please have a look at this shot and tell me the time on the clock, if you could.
5:35
